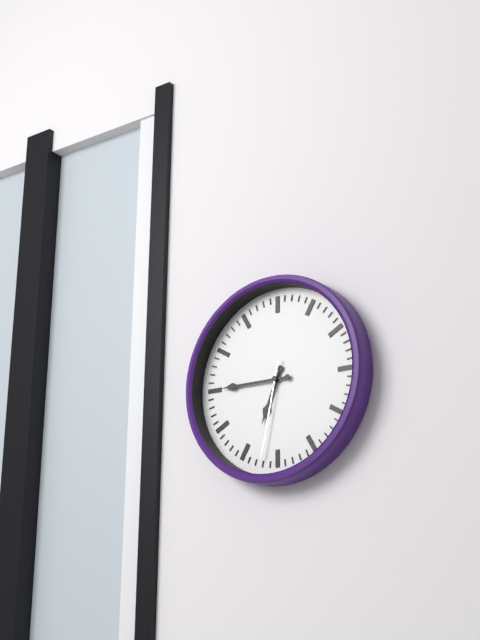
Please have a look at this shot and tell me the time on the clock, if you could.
6:45:32
